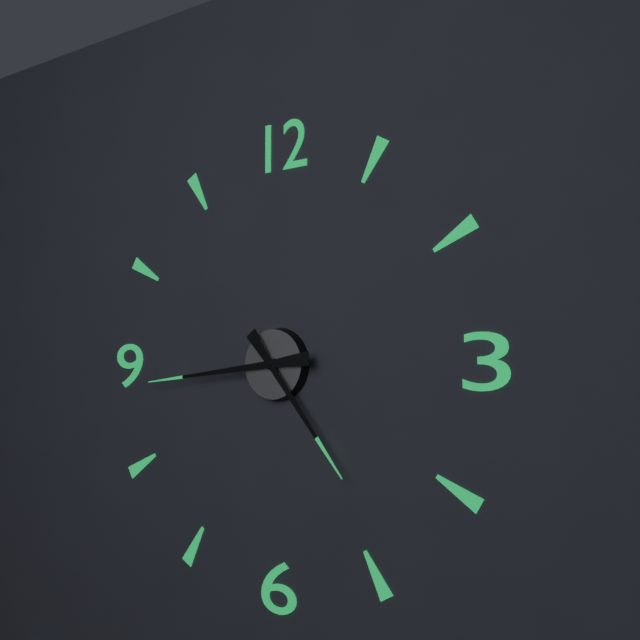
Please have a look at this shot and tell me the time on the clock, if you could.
4:44
